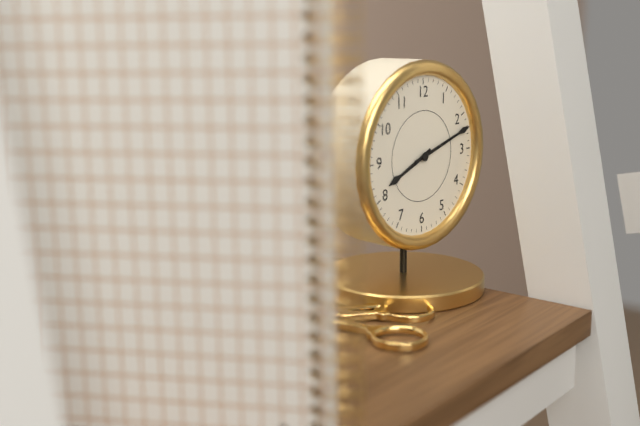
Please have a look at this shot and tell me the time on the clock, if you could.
8:12
